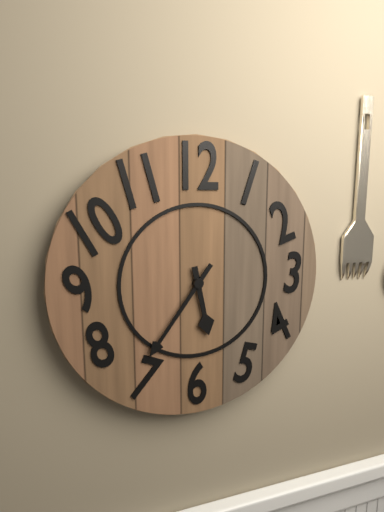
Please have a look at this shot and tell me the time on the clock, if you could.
5:36
